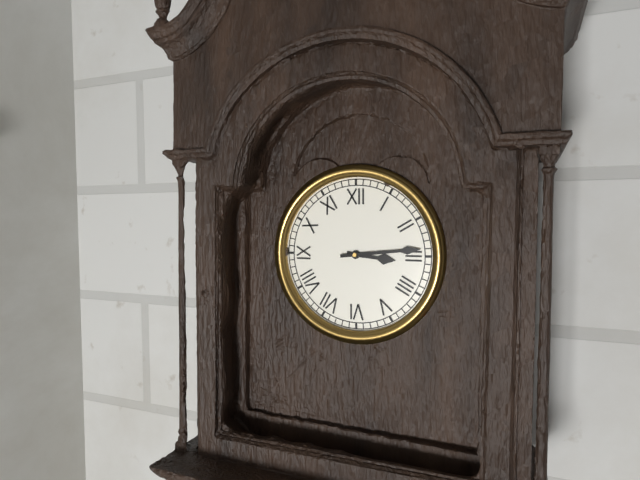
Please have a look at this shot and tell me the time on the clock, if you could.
3:14
